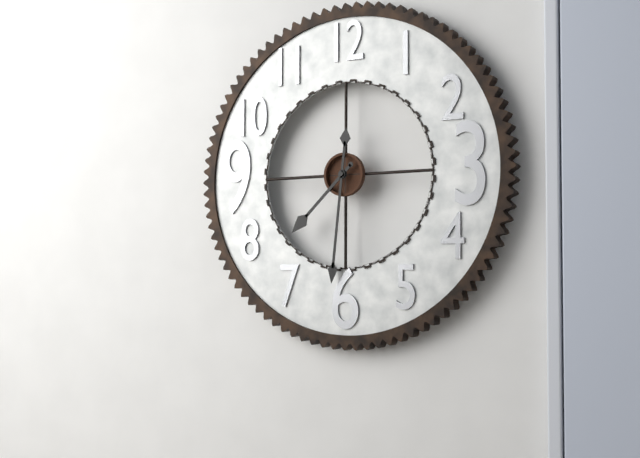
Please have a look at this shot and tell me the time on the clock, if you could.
7:31
